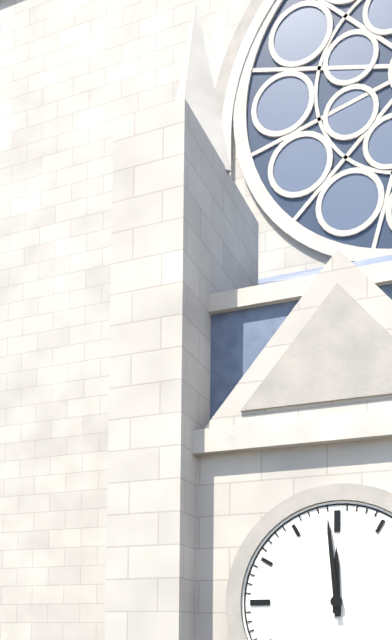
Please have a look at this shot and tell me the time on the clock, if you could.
11:59
